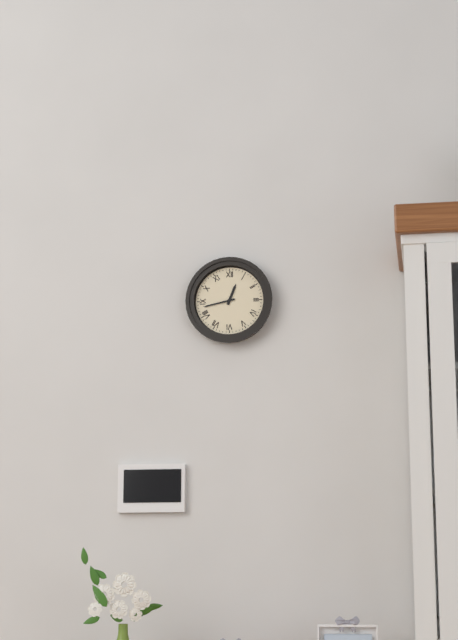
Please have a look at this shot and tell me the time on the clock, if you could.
12:43
